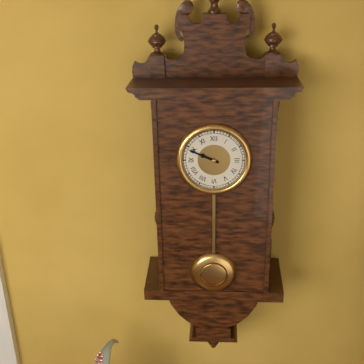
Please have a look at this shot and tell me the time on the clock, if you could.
9:49
